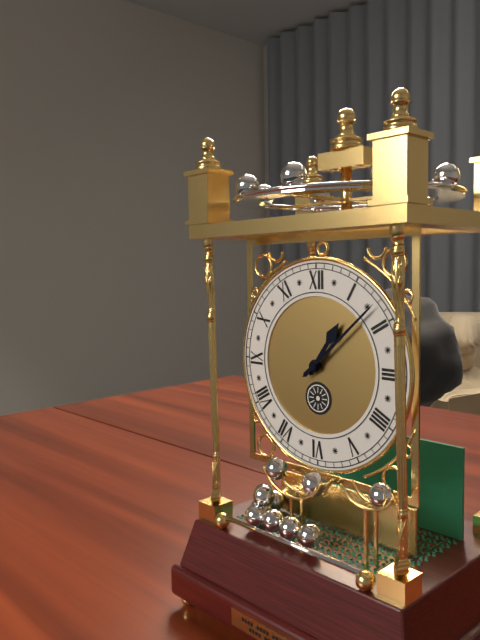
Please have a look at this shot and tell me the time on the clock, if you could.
1:08
